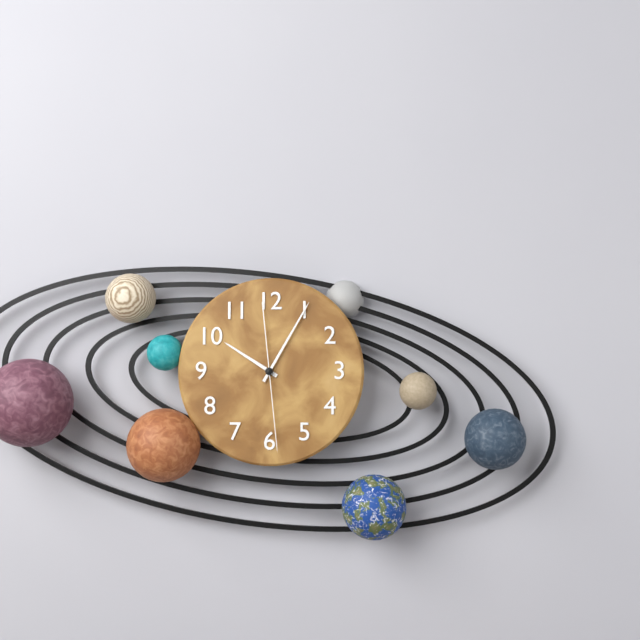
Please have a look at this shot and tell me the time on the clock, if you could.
10:05:29
